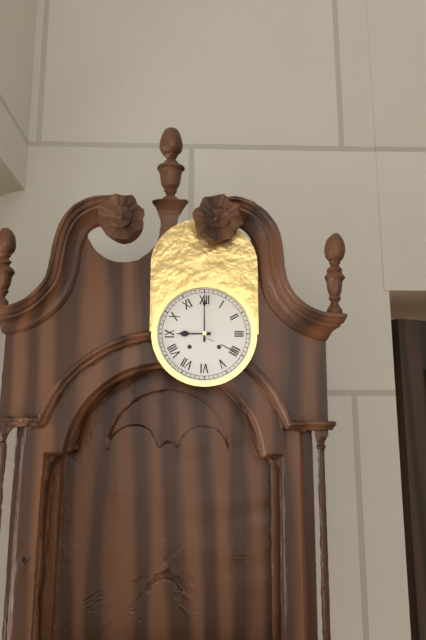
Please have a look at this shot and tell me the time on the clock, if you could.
9:00
